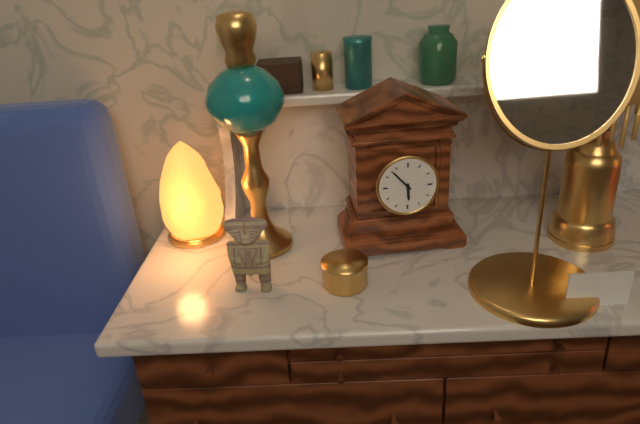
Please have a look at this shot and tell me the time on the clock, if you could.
5:53
